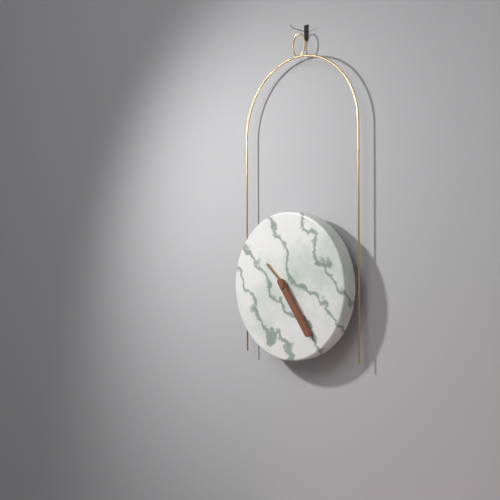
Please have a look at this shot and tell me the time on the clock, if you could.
10:24
